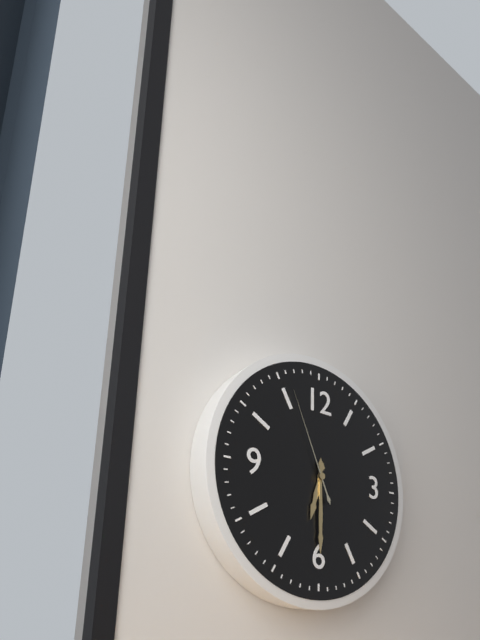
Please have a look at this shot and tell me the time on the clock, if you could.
6:30:56
